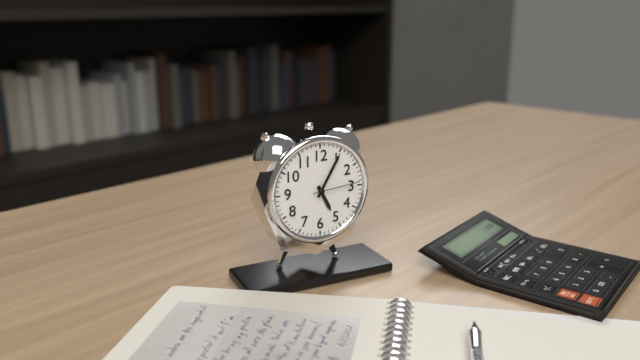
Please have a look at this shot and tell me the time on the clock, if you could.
5:05:14
